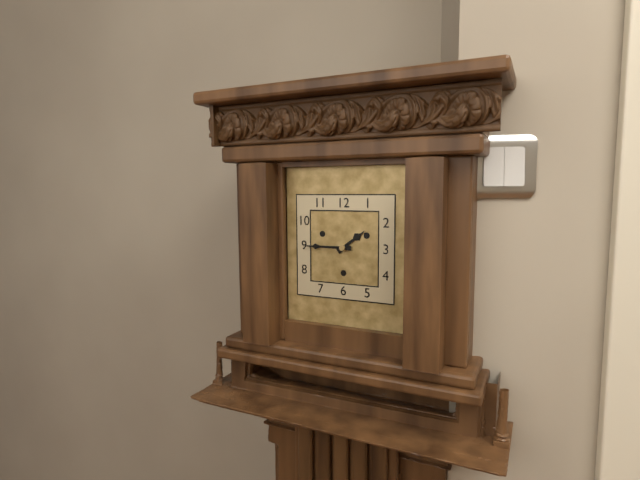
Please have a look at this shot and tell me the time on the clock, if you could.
1:45
